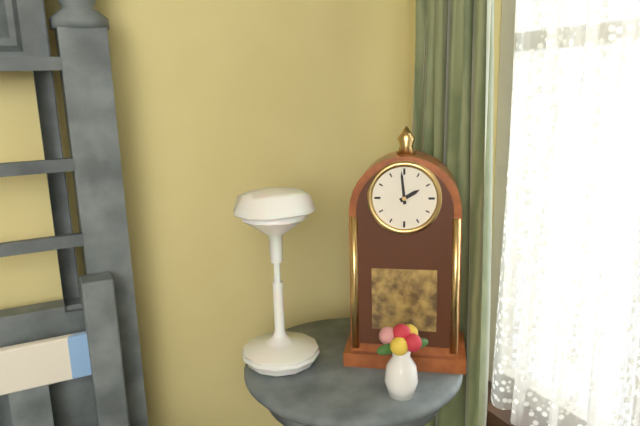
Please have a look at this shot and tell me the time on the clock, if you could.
1:59
